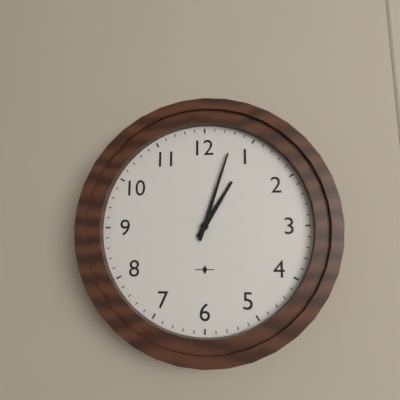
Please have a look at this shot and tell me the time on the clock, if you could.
1:03
